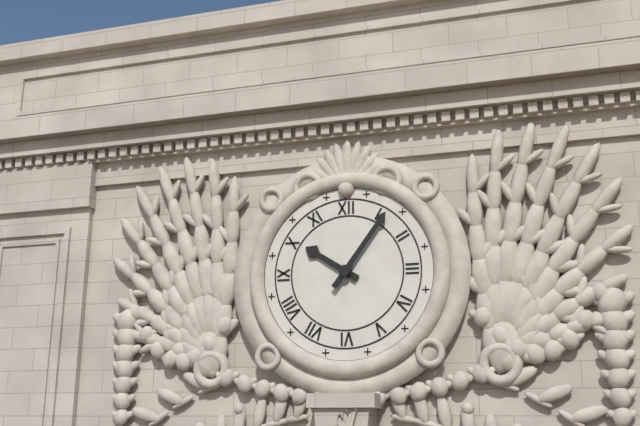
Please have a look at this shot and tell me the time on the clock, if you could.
10:06
